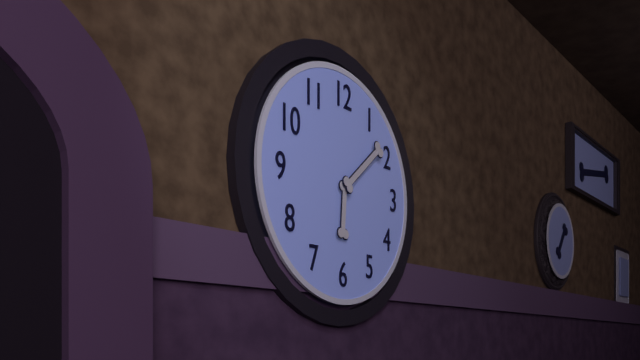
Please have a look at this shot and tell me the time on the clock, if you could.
6:08
